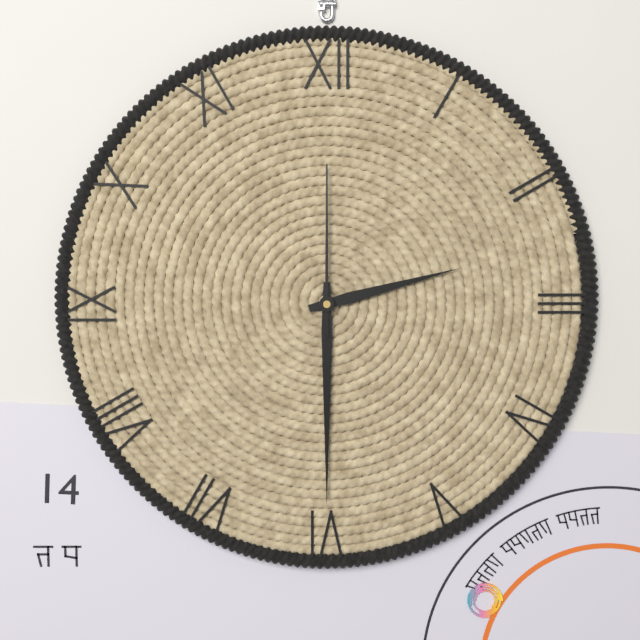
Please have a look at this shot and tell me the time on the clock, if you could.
2:30:00
